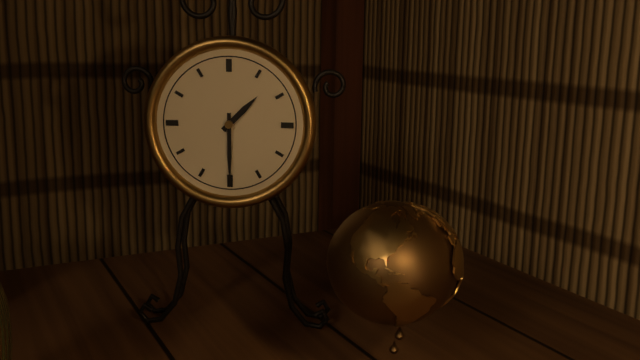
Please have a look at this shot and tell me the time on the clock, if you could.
1:30
